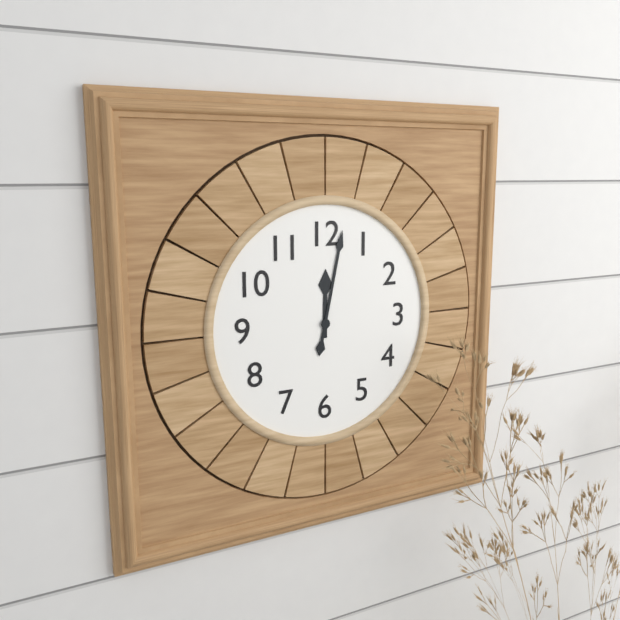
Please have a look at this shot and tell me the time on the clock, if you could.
12:02
